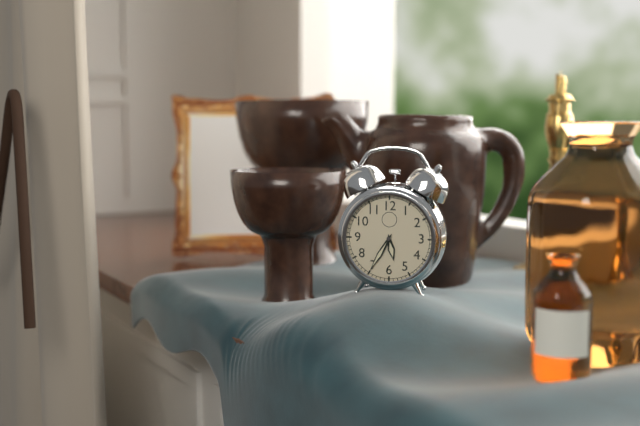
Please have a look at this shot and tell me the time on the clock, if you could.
5:35
